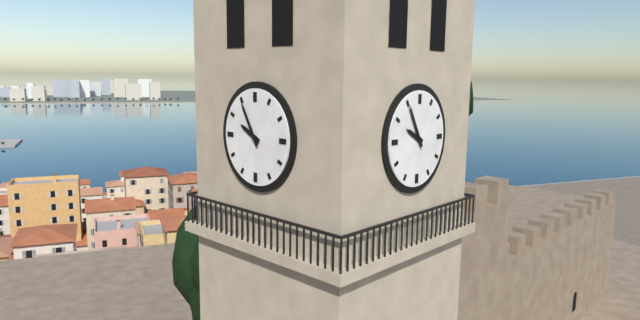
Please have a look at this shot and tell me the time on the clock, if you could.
9:55
